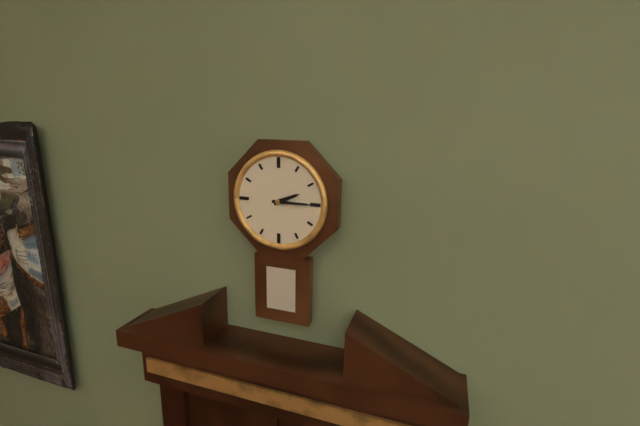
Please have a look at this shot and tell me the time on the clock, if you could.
2:15
